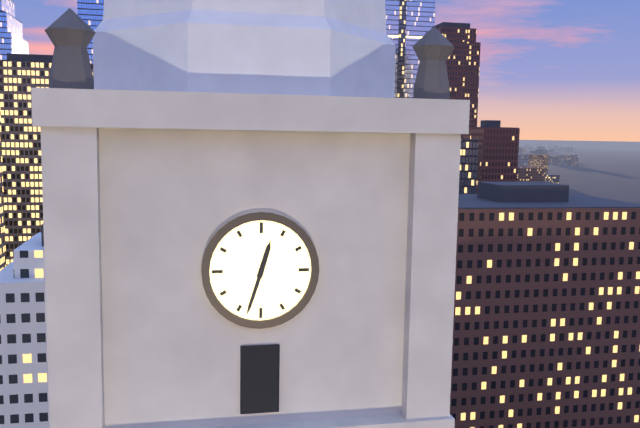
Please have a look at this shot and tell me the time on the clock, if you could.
12:33
